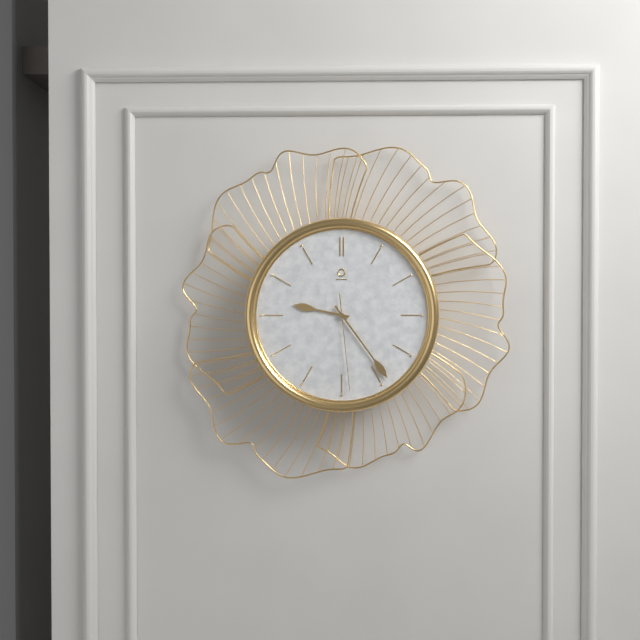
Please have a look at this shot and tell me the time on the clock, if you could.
9:24:29
